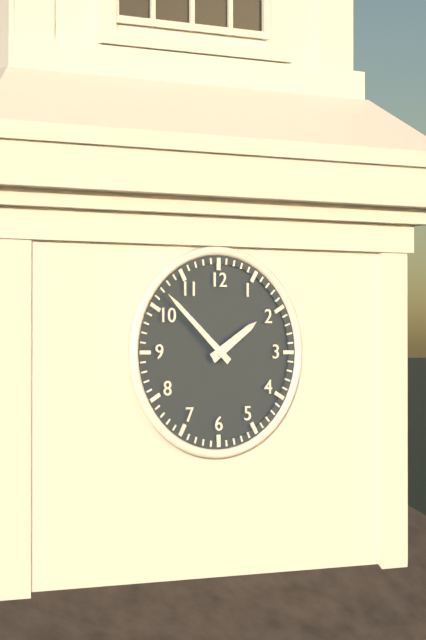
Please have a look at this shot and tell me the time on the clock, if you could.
1:52
